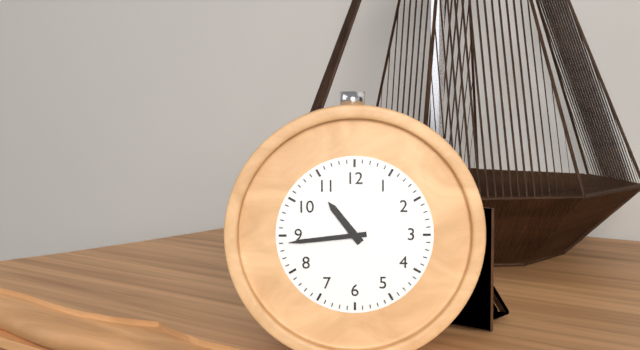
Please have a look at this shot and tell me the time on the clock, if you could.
10:44
